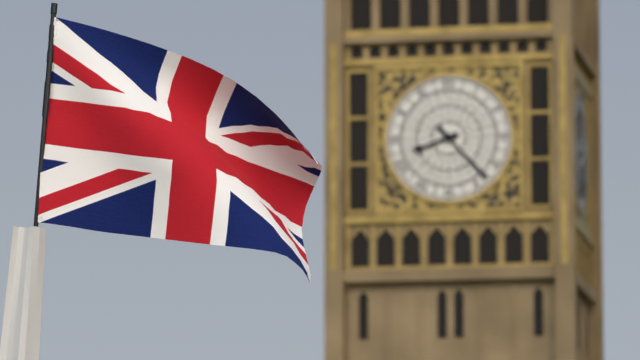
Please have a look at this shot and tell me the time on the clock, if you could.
8:23
